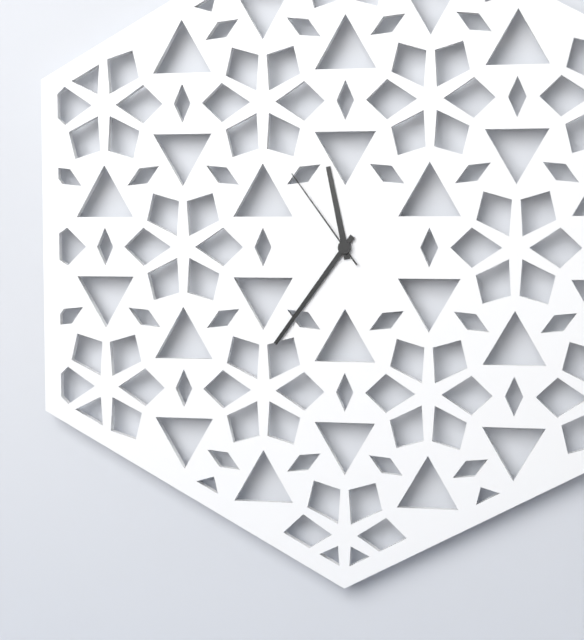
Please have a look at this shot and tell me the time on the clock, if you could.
11:36:54
